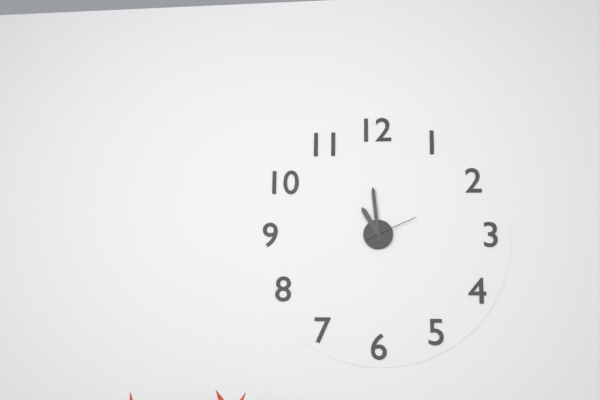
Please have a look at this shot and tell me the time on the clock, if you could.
10:59:11
